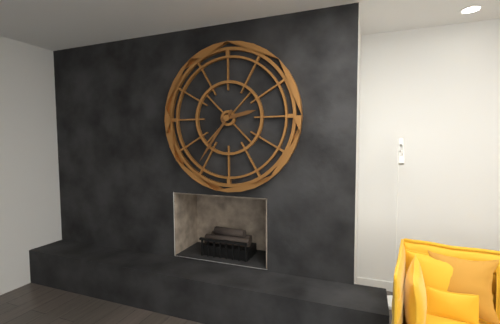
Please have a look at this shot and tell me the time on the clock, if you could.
2:36
